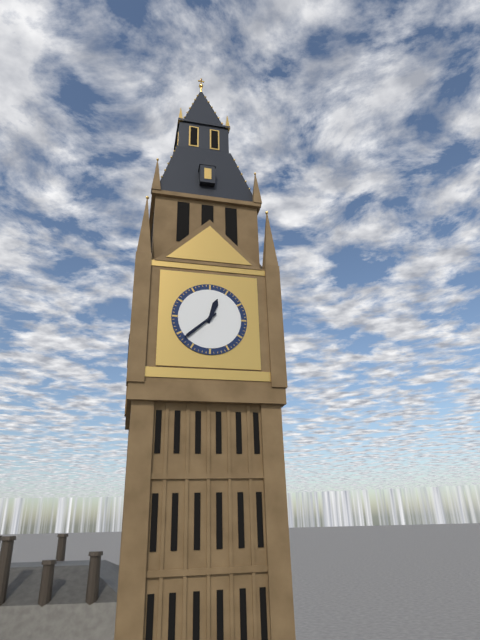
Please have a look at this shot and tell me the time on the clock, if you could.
12:38
